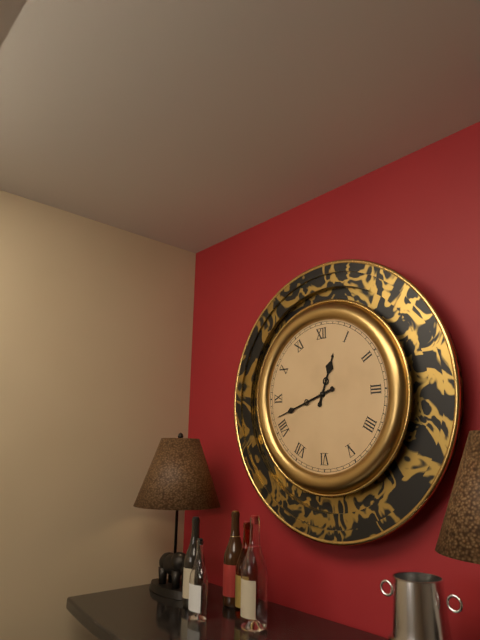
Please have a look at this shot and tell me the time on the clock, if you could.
12:42
